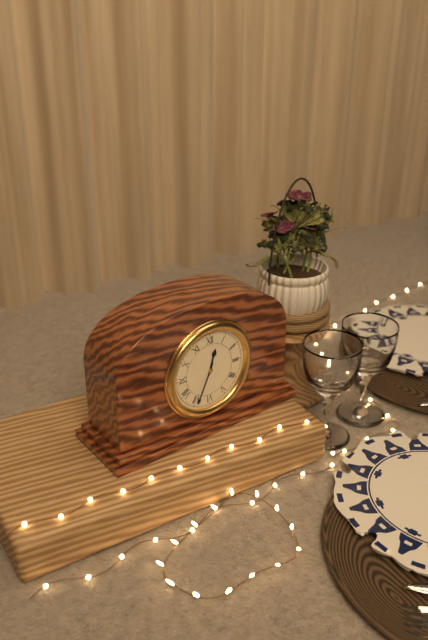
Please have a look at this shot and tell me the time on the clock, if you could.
12:34
